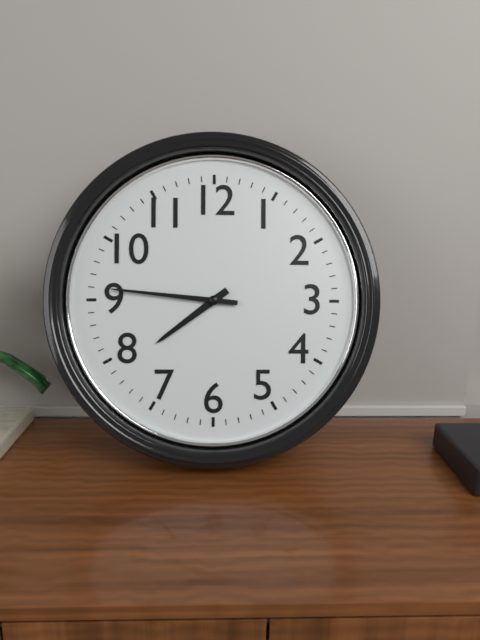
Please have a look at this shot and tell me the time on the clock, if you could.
7:46
